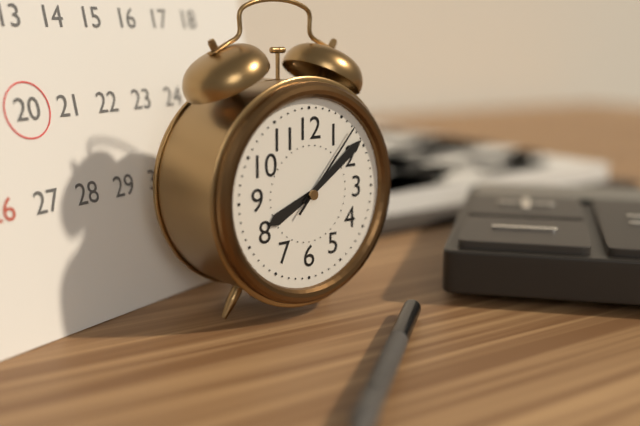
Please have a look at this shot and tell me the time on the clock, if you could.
8:09:07
